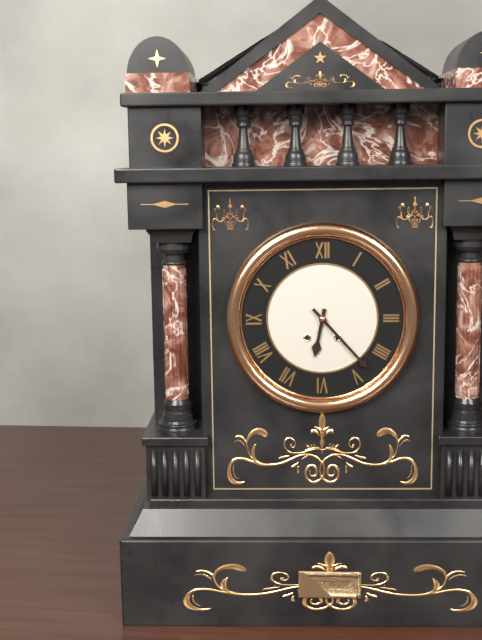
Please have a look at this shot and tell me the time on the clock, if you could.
6:23
